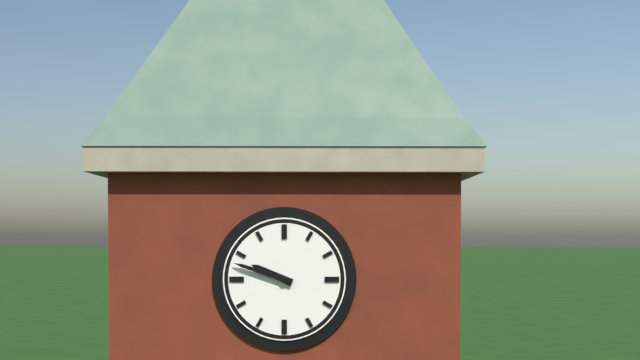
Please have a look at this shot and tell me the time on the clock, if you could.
9:48
